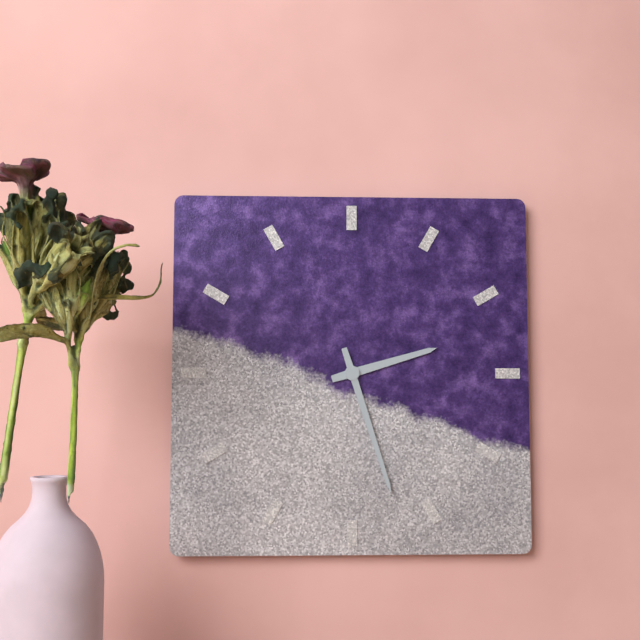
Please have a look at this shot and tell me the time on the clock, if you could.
2:27
